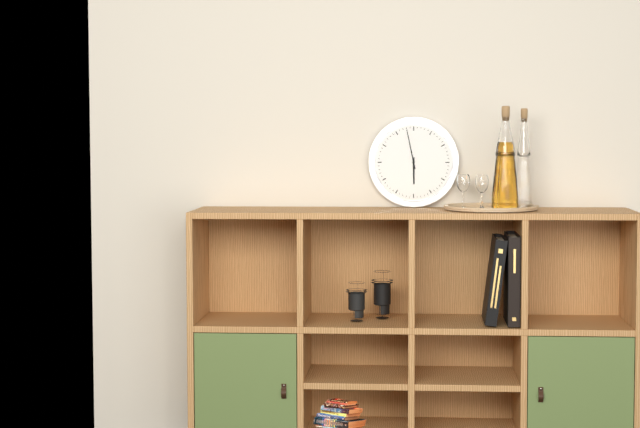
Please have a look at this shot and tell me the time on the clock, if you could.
5:58
